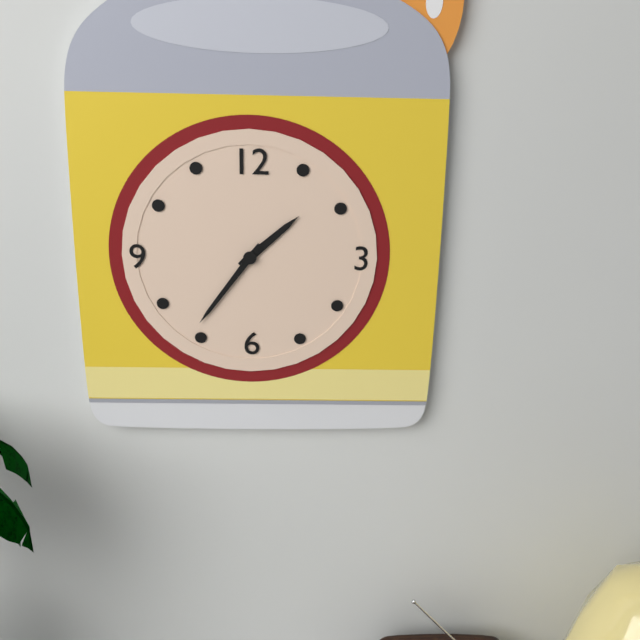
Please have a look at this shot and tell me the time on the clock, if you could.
1:36
